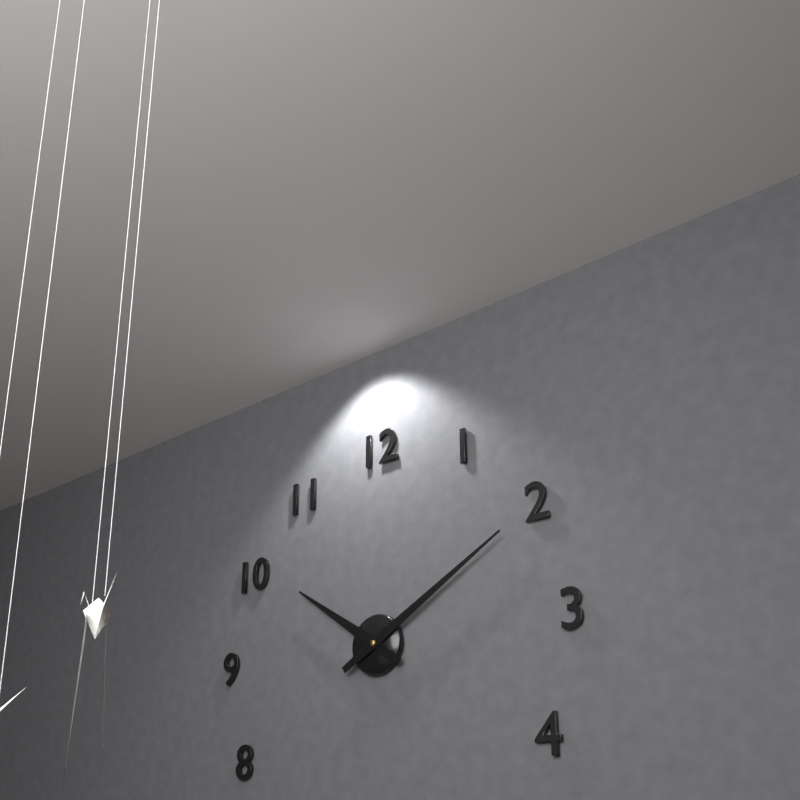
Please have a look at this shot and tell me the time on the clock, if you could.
10:10
